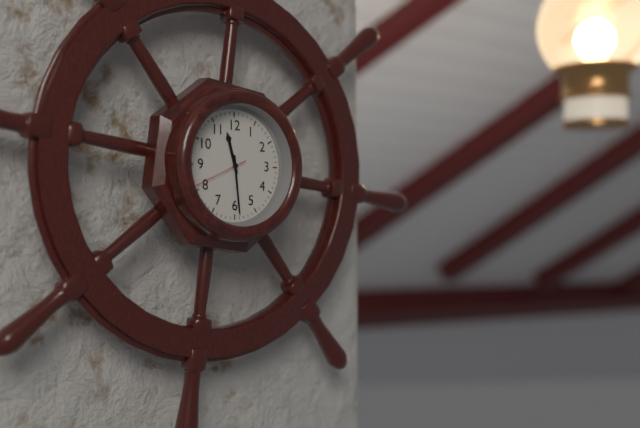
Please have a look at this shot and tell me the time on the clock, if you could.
11:29:41
